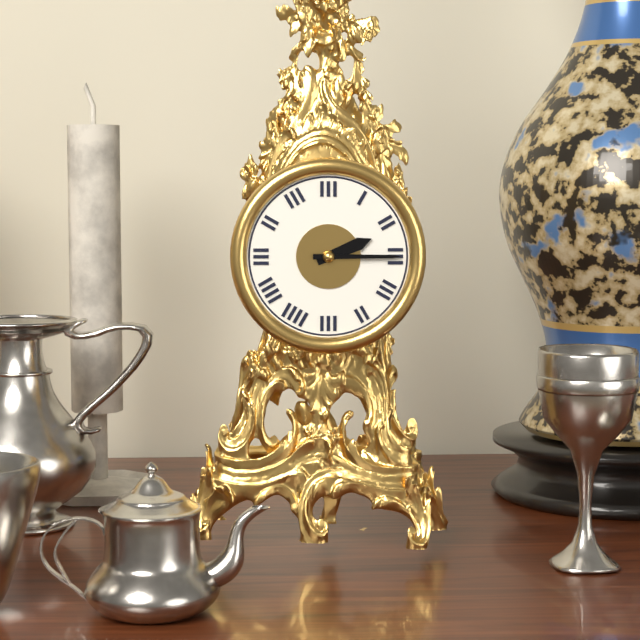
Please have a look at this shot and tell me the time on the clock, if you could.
2:15
